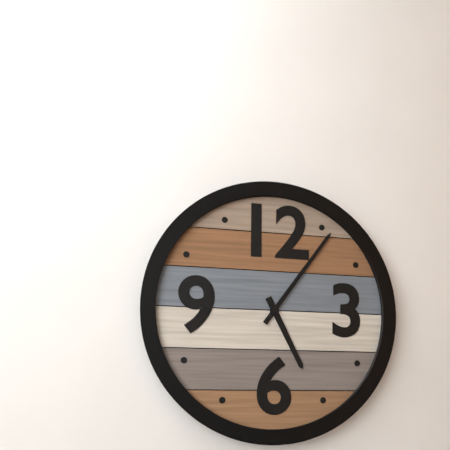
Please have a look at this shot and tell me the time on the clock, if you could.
5:06
